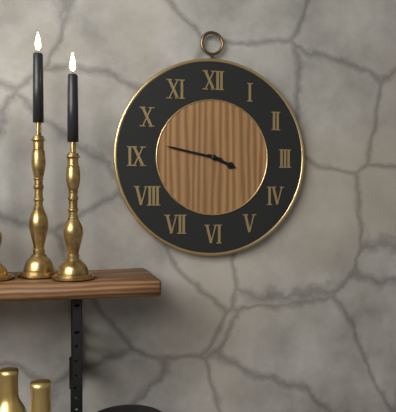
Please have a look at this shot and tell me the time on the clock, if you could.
3:47
